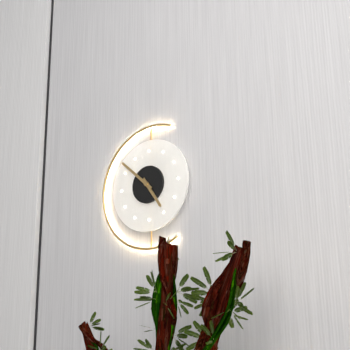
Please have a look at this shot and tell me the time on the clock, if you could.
4:52
